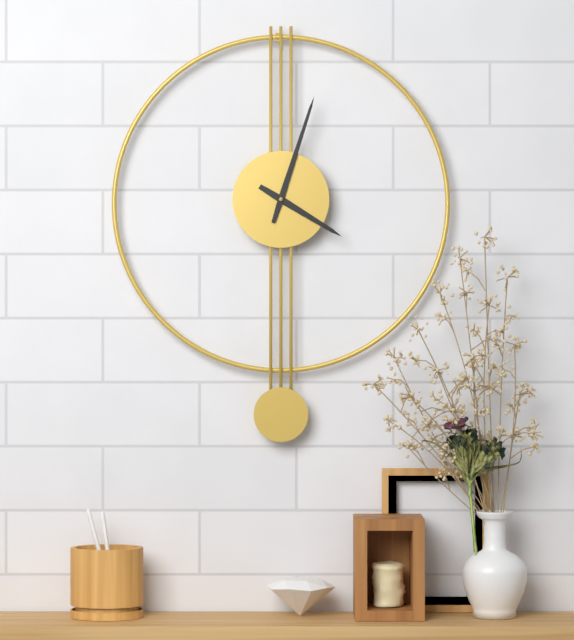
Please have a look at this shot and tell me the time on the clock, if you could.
4:03
